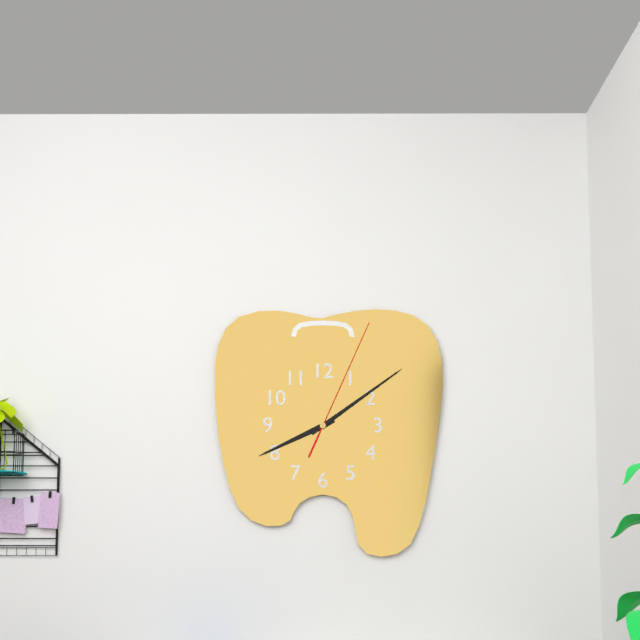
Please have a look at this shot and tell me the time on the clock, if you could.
8:09:04
